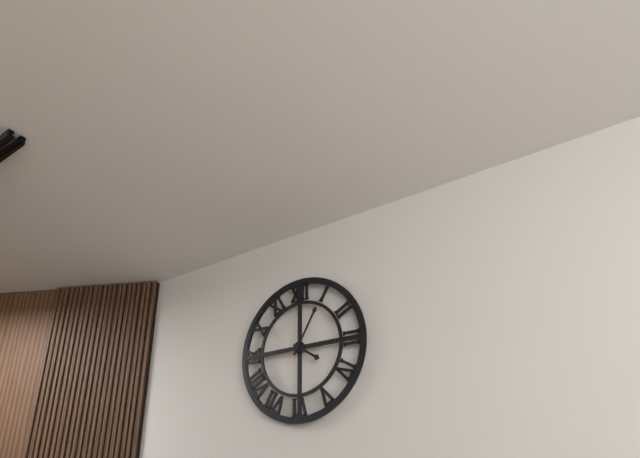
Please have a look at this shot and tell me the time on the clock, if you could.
4:05
